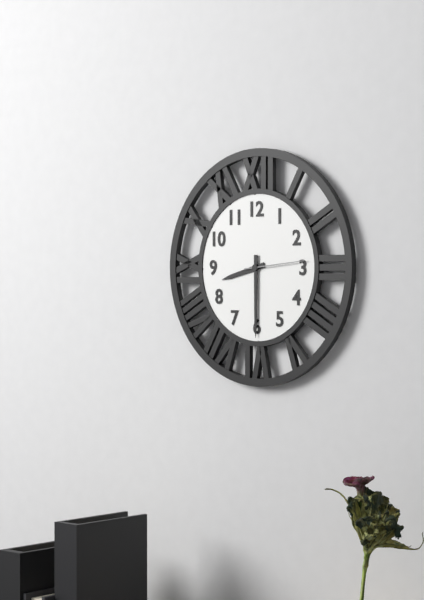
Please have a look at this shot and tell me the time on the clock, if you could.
8:30:14
